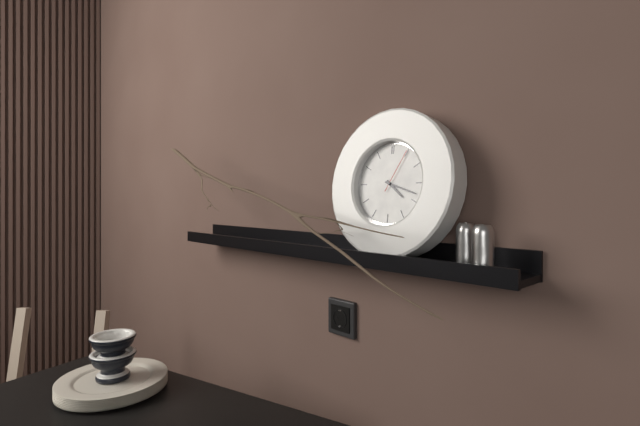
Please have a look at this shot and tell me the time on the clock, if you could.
4:18
